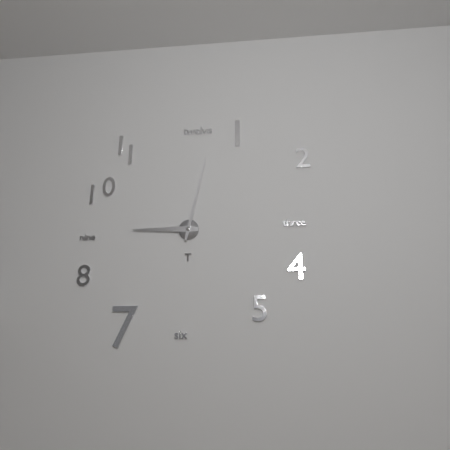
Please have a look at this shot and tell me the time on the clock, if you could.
9:02
